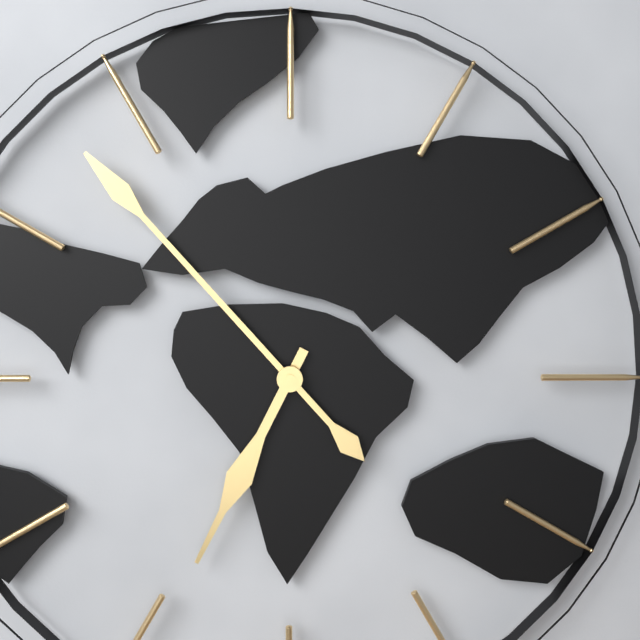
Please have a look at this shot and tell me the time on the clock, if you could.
6:53
